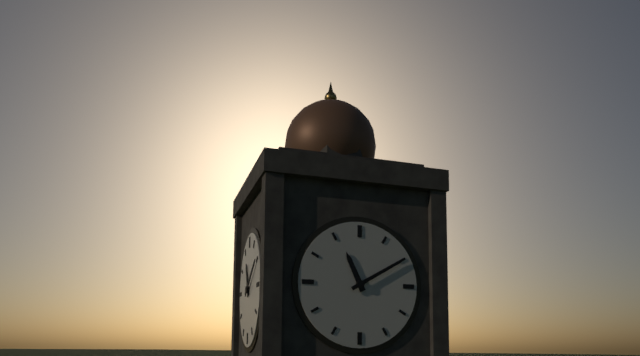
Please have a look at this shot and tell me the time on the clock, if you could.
11:10
